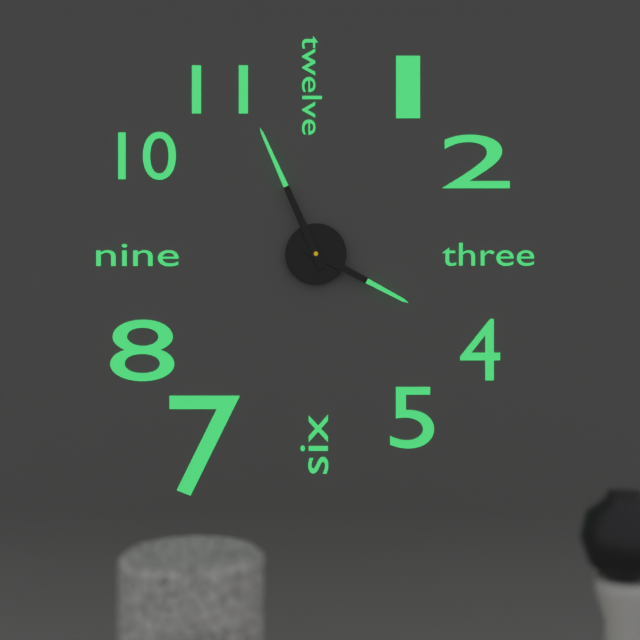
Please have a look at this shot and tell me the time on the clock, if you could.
3:56
